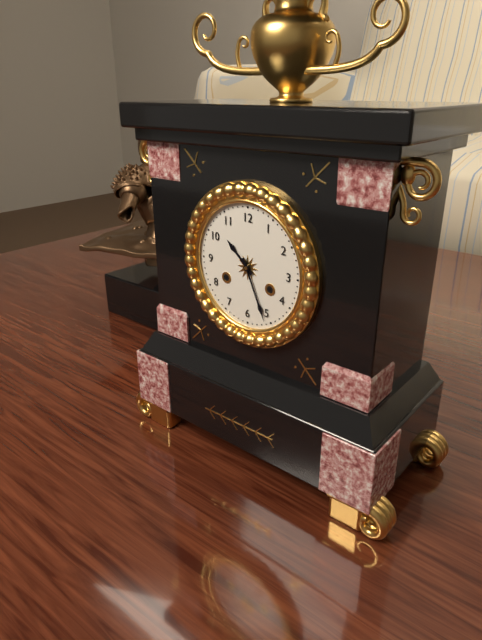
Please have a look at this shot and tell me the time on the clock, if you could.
10:26
